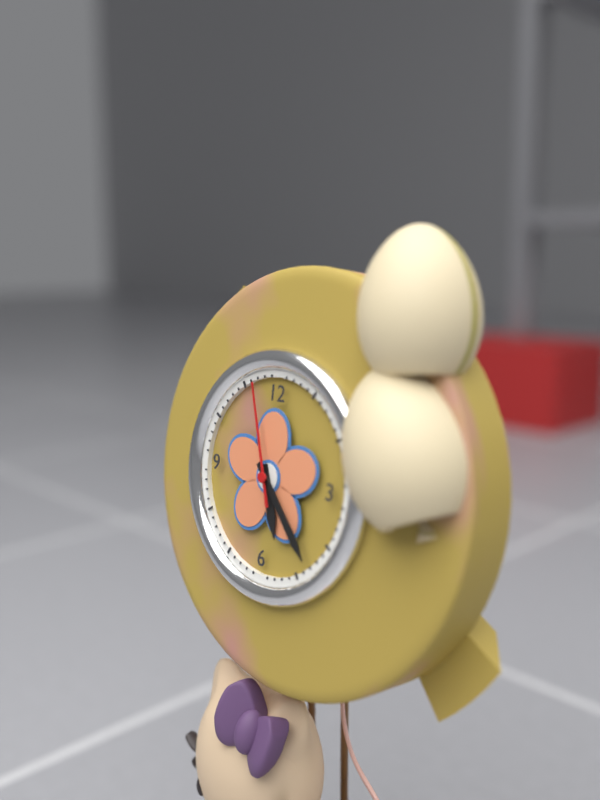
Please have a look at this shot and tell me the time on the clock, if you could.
5:23:57
